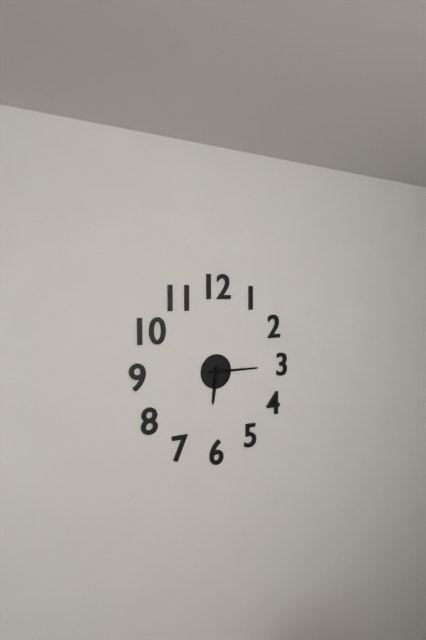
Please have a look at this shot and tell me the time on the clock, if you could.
6:15
